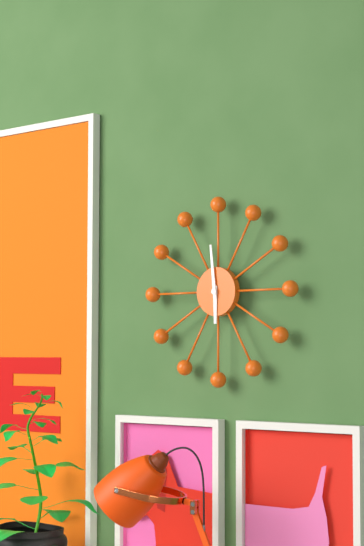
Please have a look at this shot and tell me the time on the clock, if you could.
5:59
